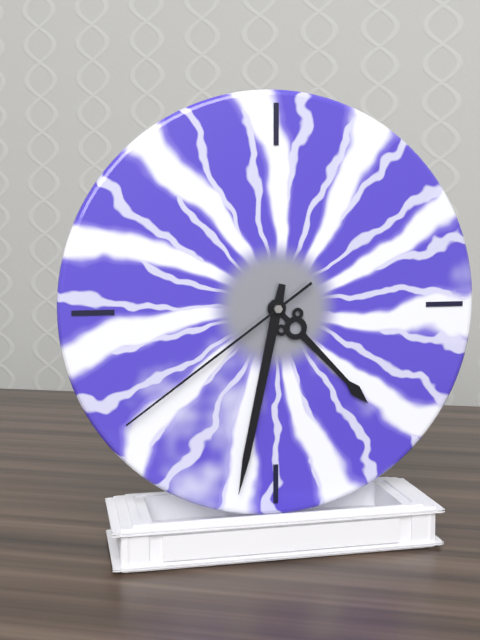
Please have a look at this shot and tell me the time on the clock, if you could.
4:32:39
